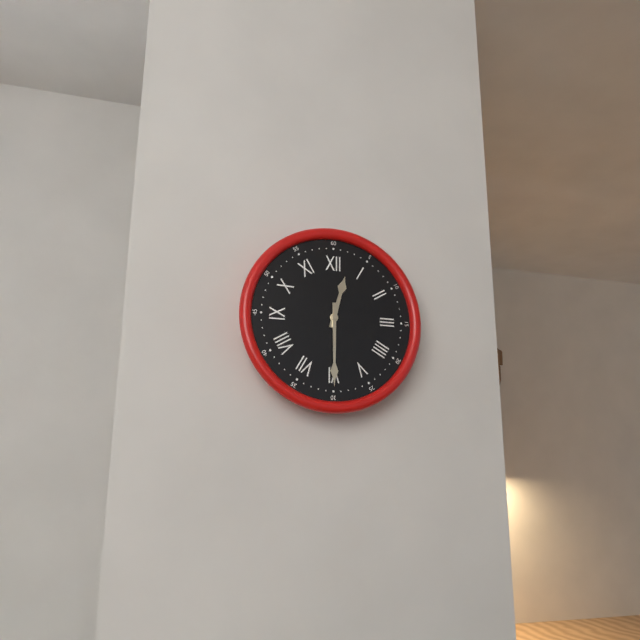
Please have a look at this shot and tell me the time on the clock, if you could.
12:30
